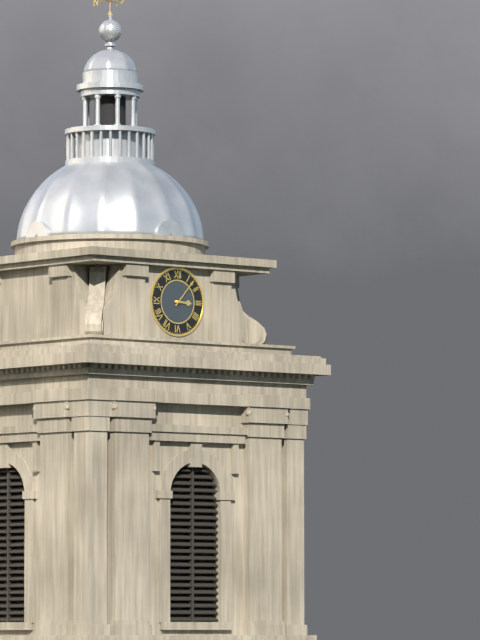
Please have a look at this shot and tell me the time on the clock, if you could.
3:07
